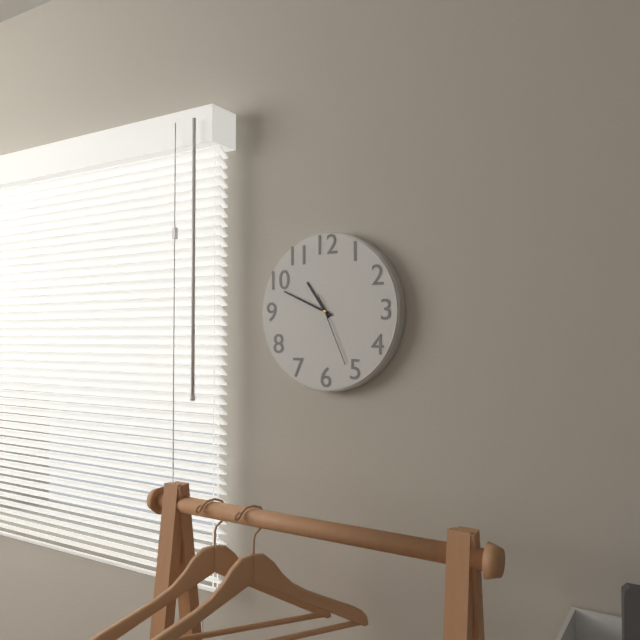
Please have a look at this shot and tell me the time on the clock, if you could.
10:49:26
